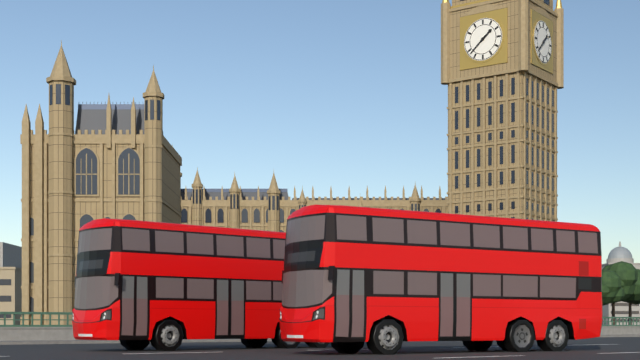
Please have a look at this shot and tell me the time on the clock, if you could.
1:38
